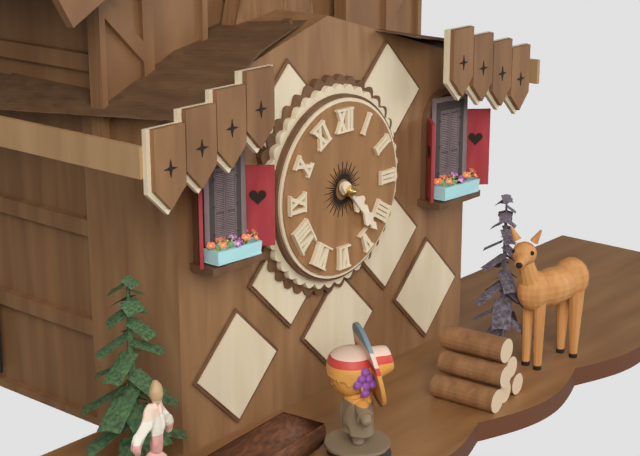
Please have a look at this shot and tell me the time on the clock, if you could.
4:23
